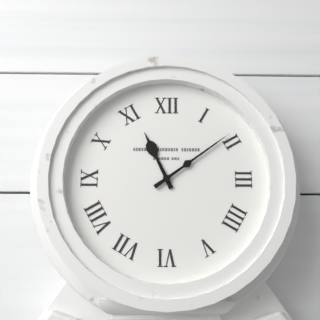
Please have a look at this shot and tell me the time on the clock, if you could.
11:09
